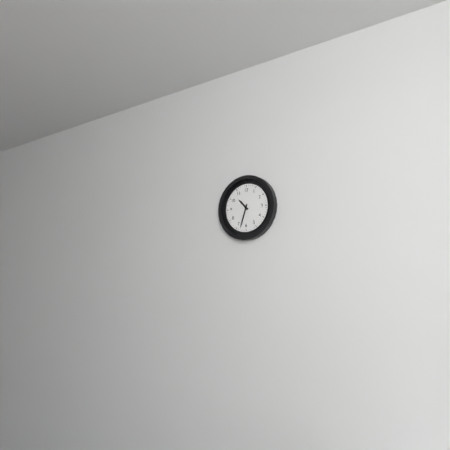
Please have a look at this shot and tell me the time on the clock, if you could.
10:33
